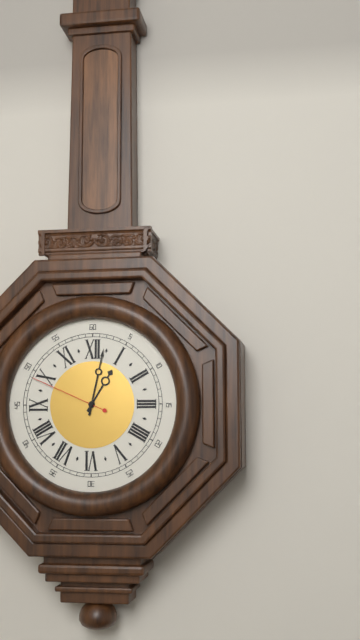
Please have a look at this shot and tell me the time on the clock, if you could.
1:02:49
